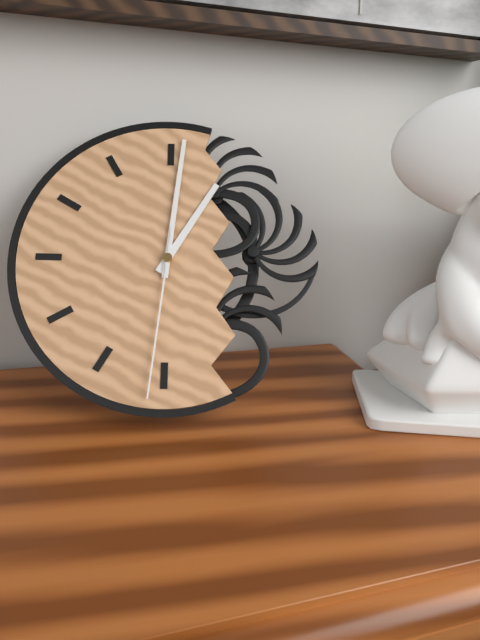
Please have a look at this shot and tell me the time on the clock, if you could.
1:01:31
